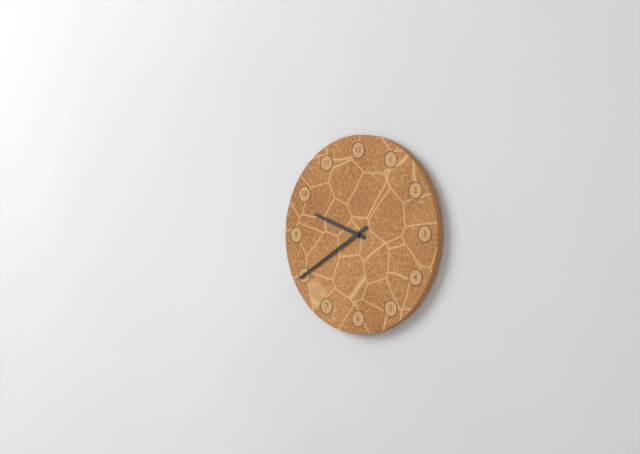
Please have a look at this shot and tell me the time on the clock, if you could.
9:40
